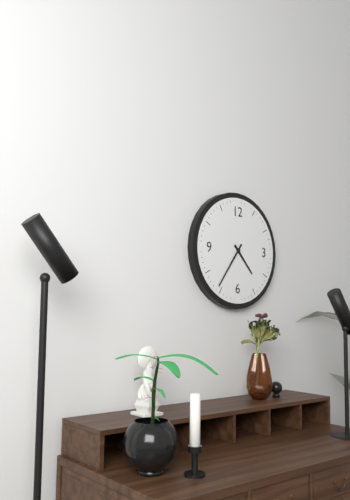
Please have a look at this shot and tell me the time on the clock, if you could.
4:36
